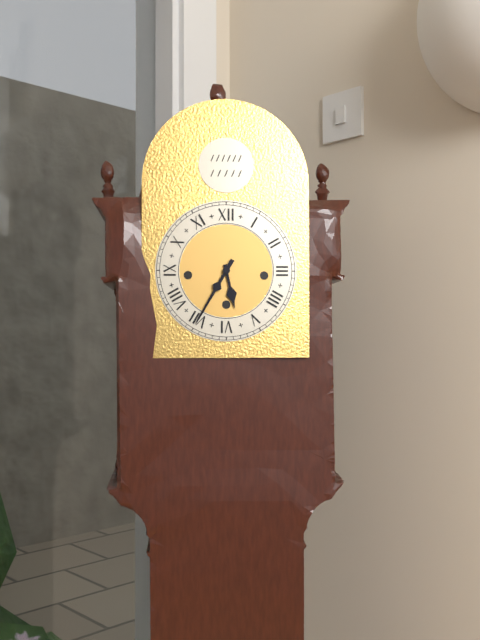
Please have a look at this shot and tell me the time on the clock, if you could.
5:35
